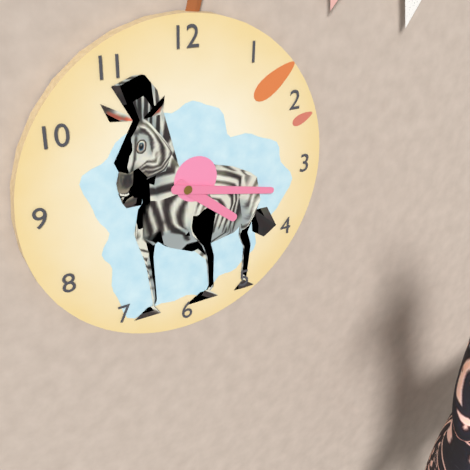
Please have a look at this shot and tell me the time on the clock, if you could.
4:17
